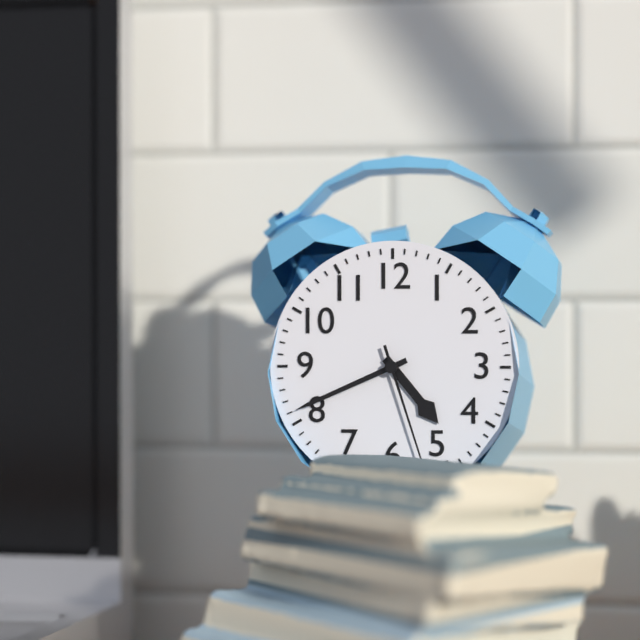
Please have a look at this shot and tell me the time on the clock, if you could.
4:41:27
